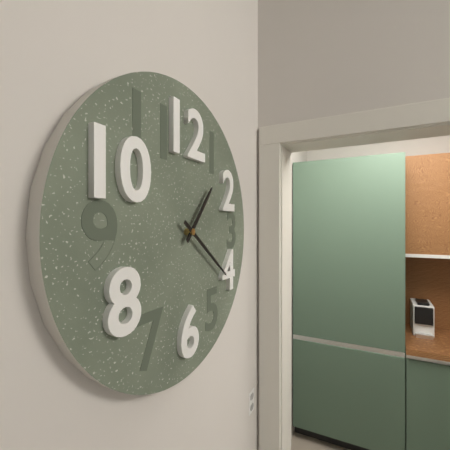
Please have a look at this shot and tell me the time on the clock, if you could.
1:21
